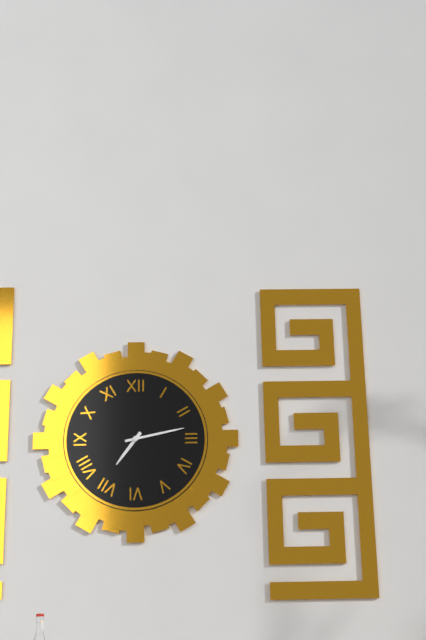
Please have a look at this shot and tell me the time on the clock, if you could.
7:13
